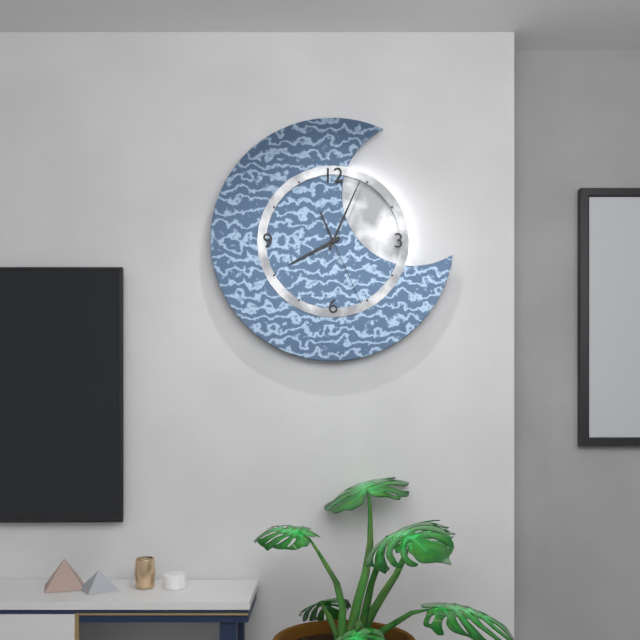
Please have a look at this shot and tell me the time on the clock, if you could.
8:04:26
